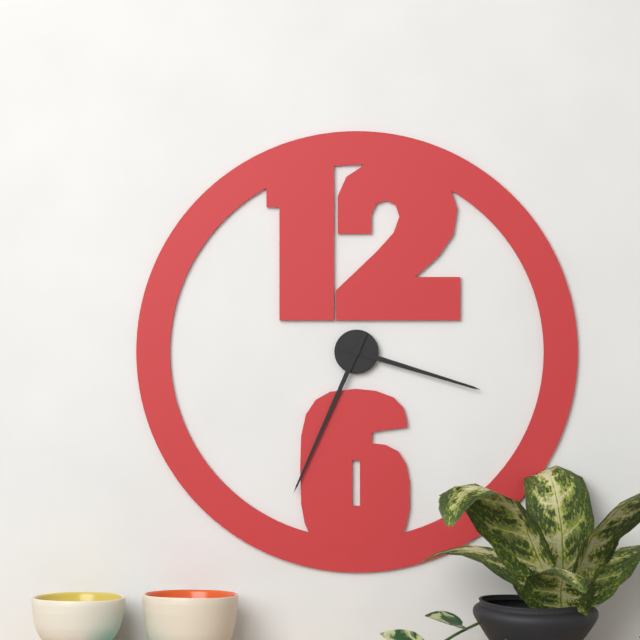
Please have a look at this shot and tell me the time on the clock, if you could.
3:34
